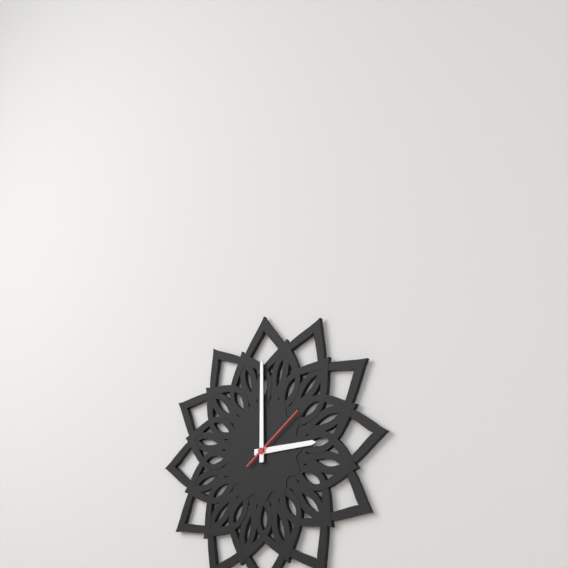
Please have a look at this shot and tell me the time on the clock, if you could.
3:00:09
